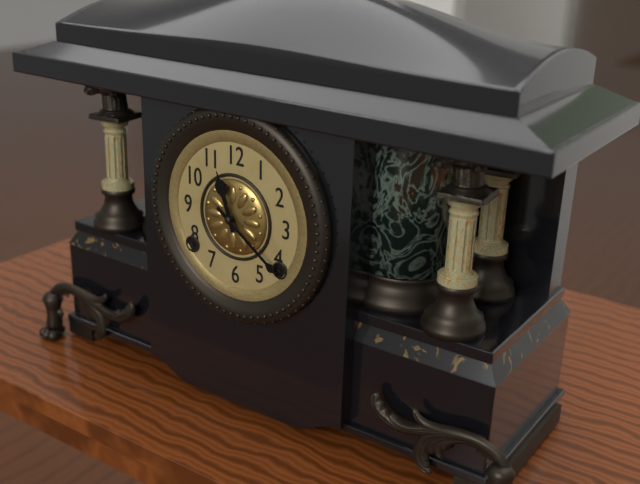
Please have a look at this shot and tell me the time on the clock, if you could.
11:21
